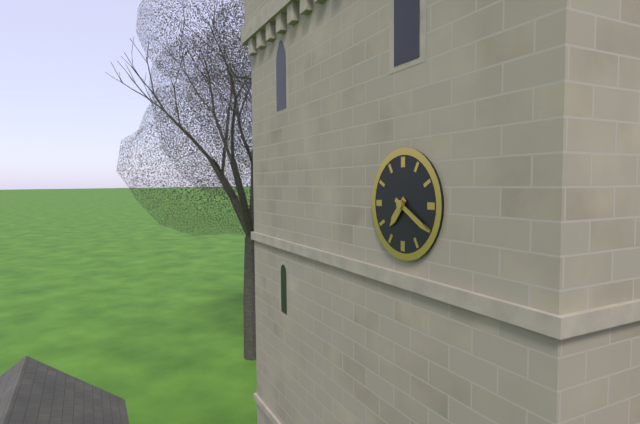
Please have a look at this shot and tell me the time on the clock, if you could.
7:20
